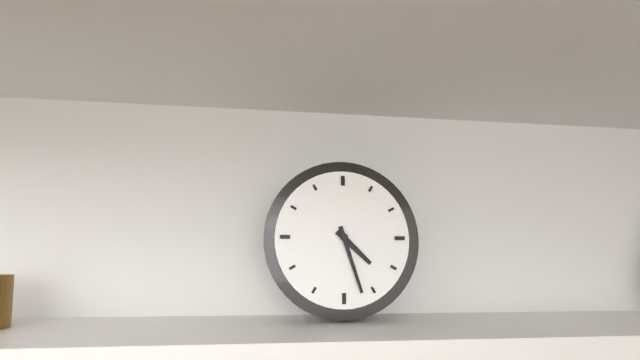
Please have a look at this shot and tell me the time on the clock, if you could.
4:27
